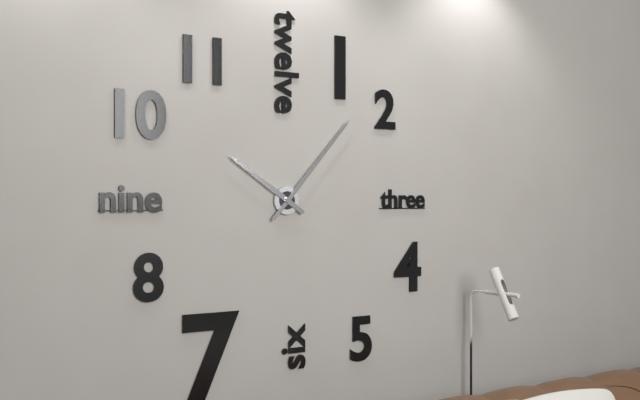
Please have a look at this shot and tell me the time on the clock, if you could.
10:07
